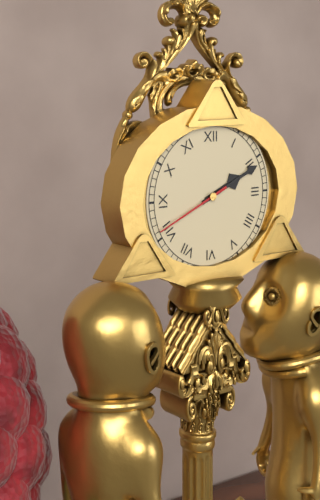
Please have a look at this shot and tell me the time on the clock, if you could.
2:11:41
